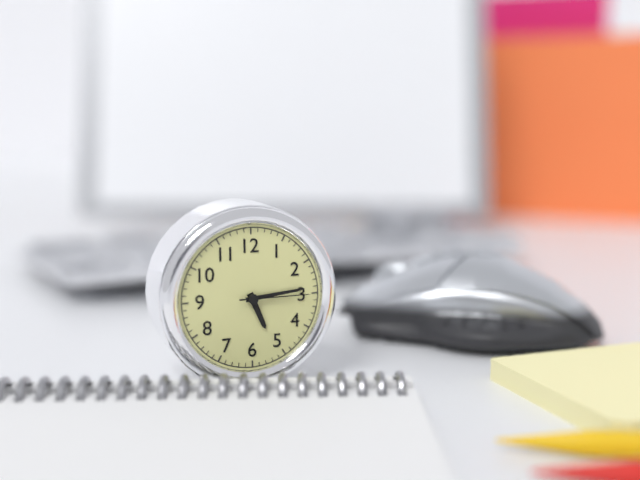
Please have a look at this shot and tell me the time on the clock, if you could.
5:14:15
